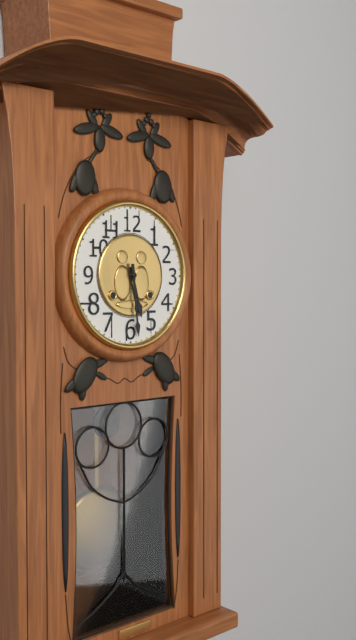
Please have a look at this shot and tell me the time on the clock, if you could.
5:29
